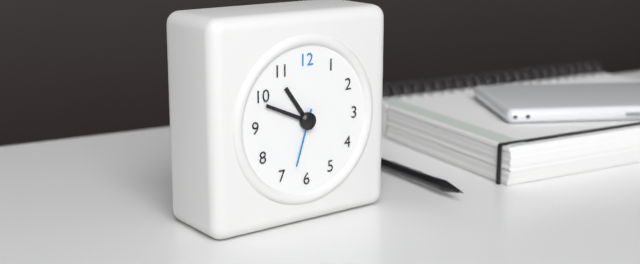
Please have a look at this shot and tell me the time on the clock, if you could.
10:49:33
